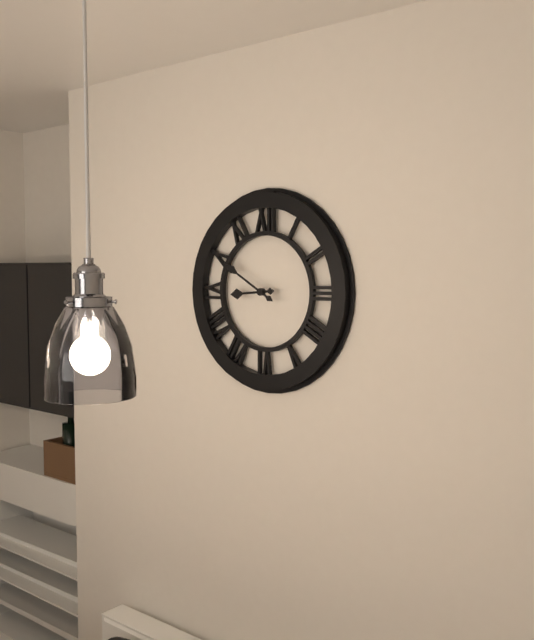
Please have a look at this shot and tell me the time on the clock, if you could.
8:50
